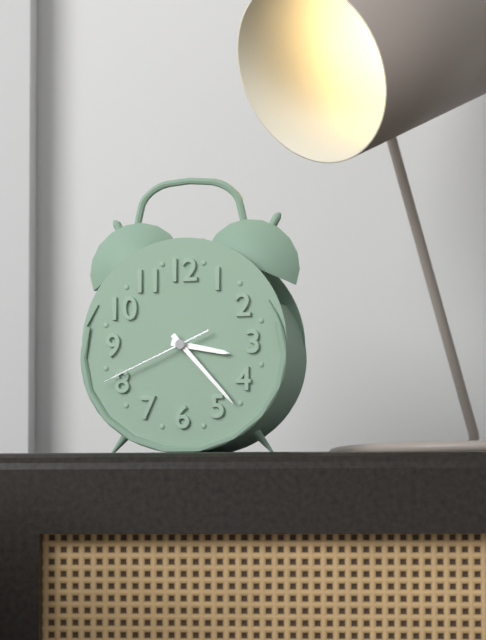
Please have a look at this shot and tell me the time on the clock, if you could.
3:23:41
